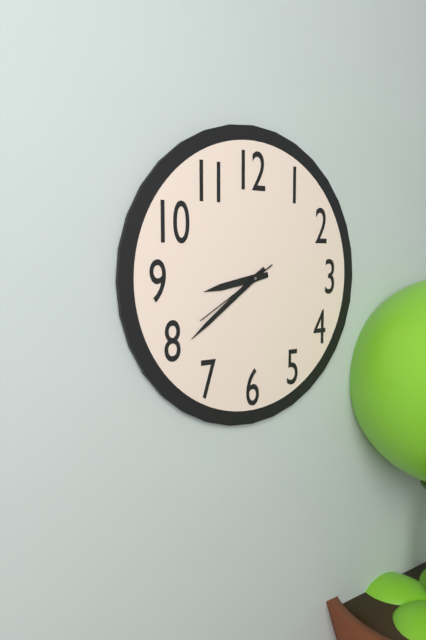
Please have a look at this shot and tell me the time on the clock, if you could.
8:39:40
